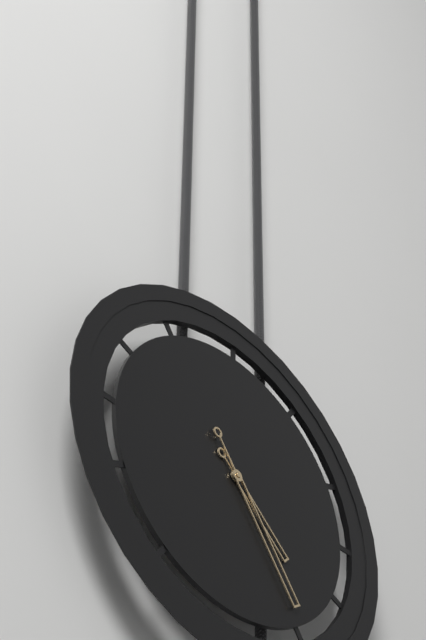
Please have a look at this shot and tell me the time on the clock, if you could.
4:24
